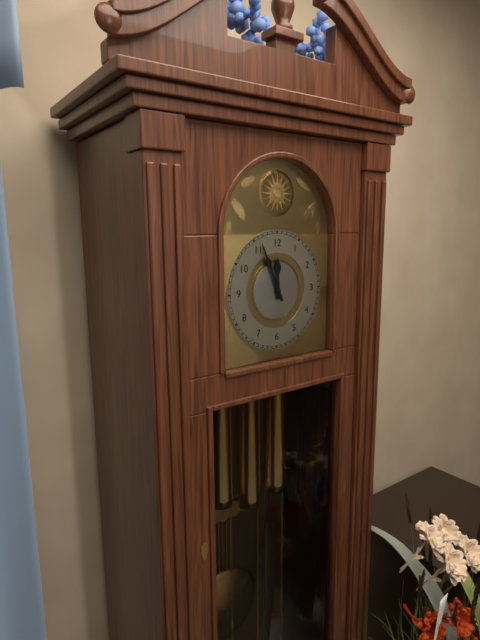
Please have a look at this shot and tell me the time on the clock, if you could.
11:56
